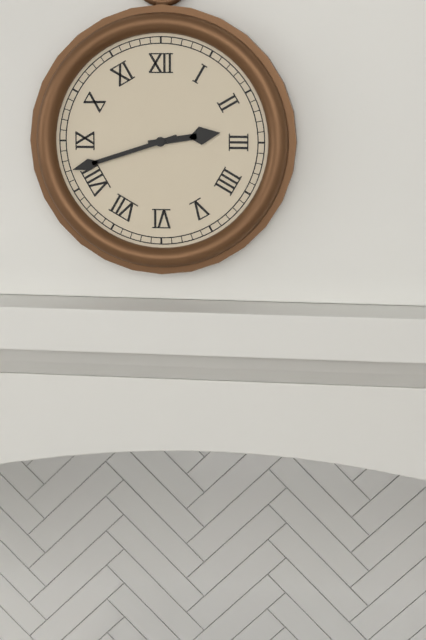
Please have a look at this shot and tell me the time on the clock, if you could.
2:42
